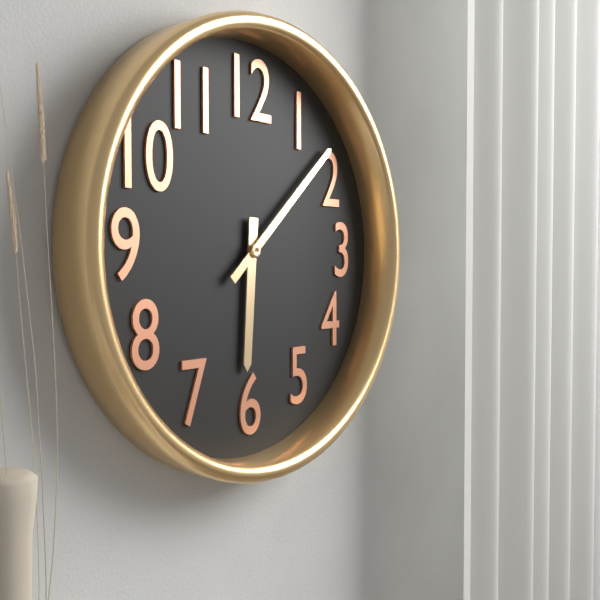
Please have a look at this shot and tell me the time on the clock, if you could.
6:08
